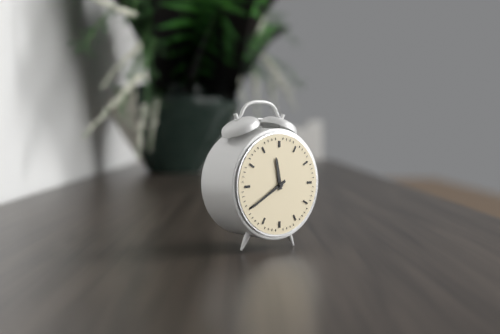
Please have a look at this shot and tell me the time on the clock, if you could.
11:40
